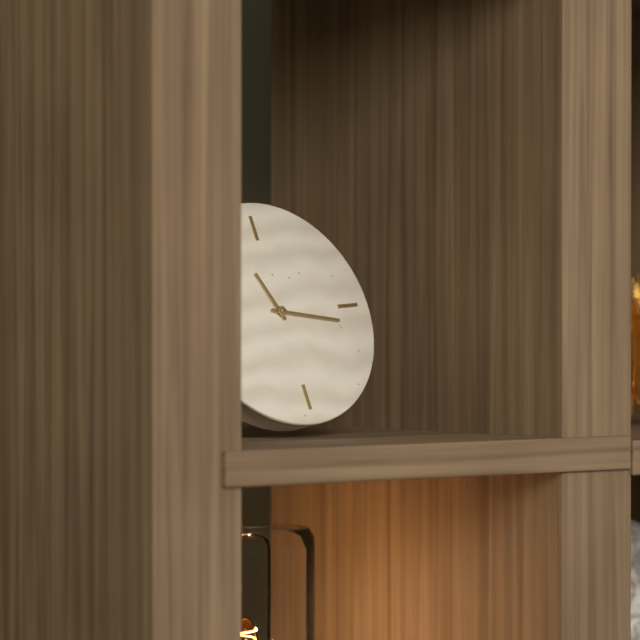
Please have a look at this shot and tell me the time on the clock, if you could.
11:17
